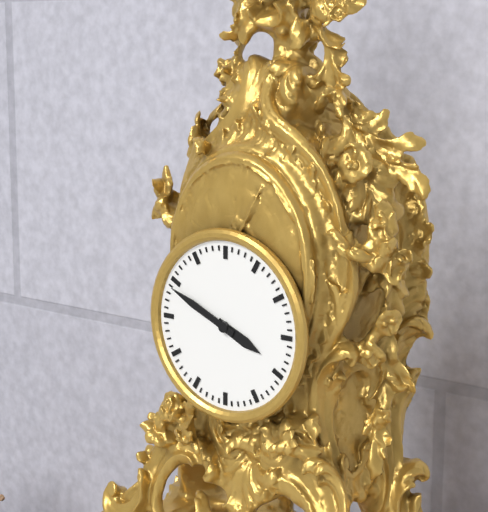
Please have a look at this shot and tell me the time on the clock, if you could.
3:49
